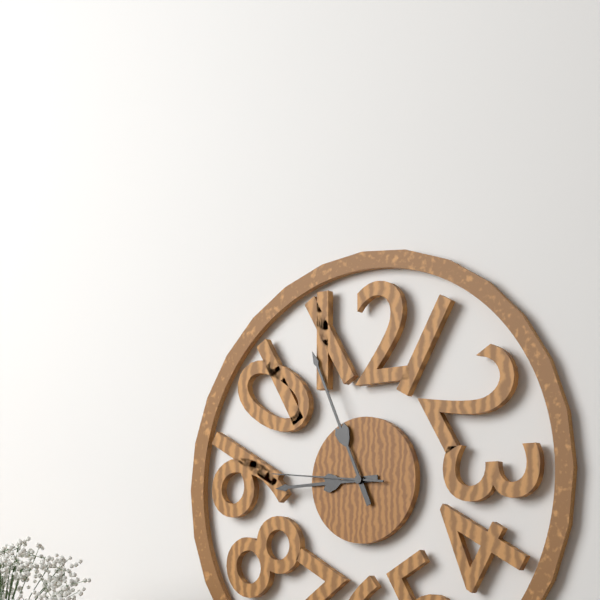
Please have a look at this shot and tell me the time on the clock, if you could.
8:56:46
